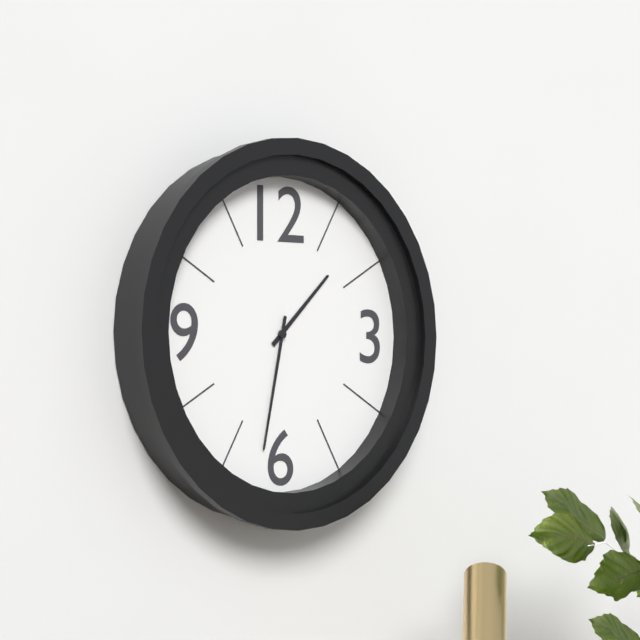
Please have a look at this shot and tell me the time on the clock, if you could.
1:32
